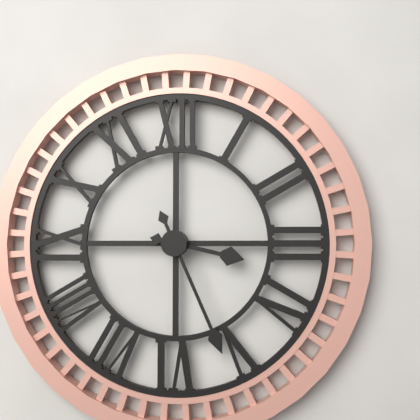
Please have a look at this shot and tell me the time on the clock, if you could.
3:26
